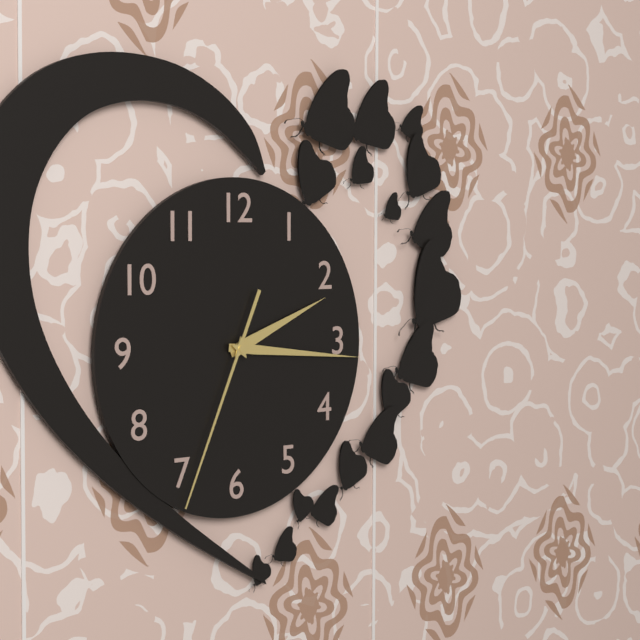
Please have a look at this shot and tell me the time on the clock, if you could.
2:16:34
